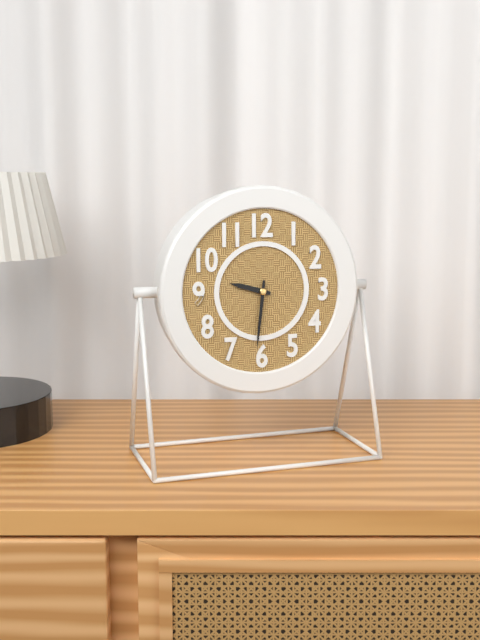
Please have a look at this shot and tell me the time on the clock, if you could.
9:31
